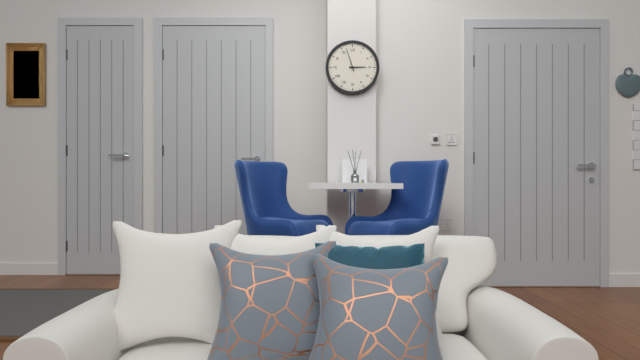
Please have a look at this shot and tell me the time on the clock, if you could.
2:57
